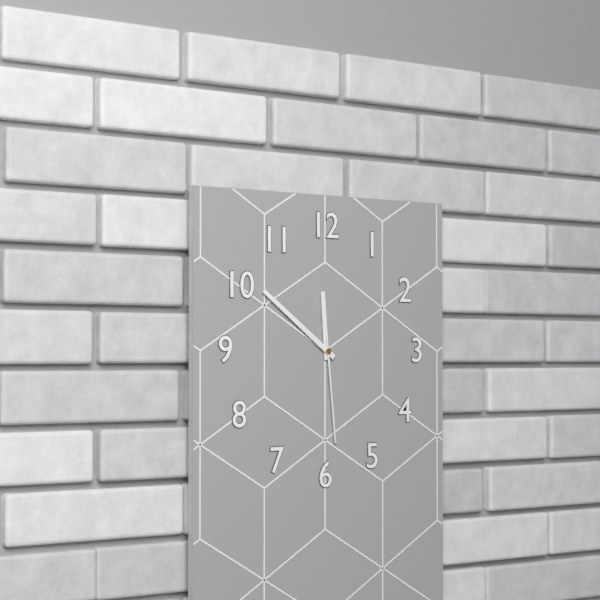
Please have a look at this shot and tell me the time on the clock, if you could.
11:51:29
